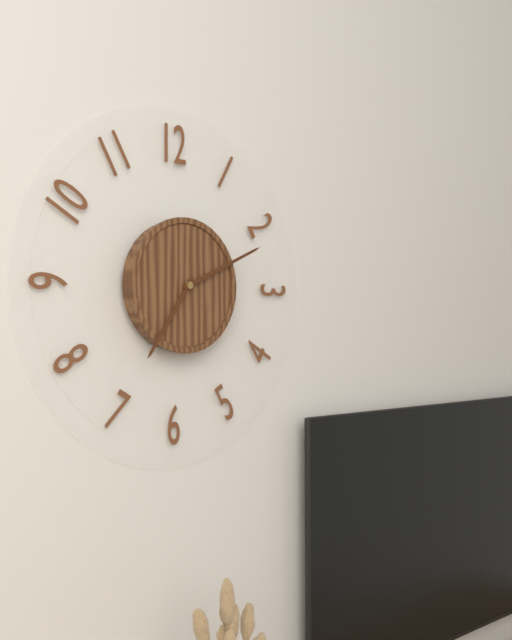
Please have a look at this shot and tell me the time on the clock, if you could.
7:11
